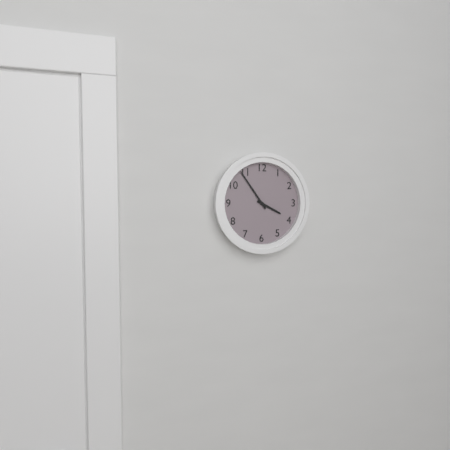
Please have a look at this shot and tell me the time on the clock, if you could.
3:54
